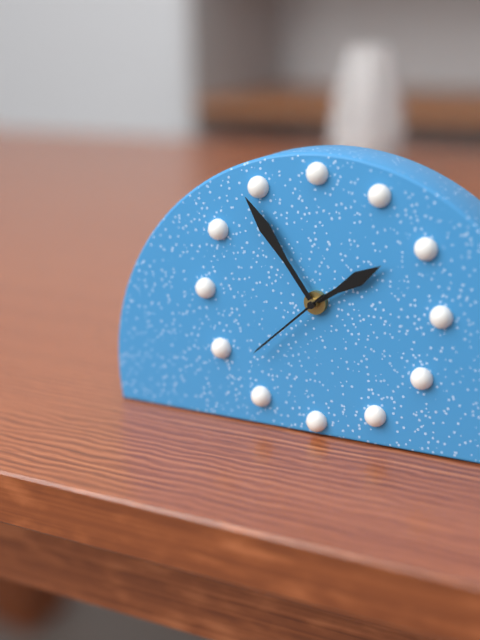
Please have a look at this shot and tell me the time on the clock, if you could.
1:54:38
